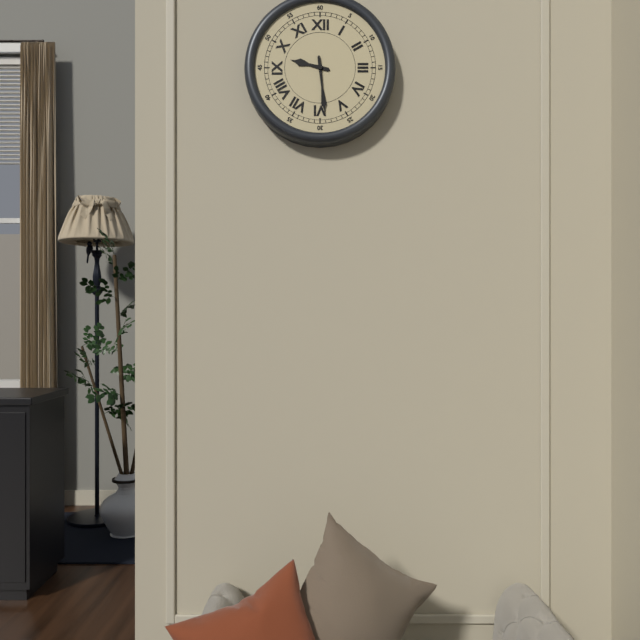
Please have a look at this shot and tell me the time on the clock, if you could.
9:29
